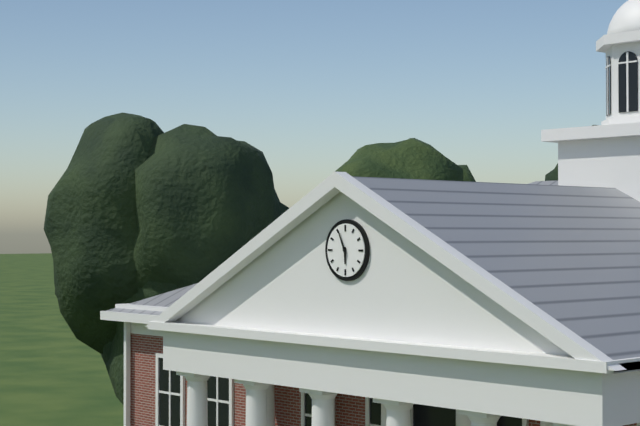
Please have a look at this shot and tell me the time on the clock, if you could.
5:56
